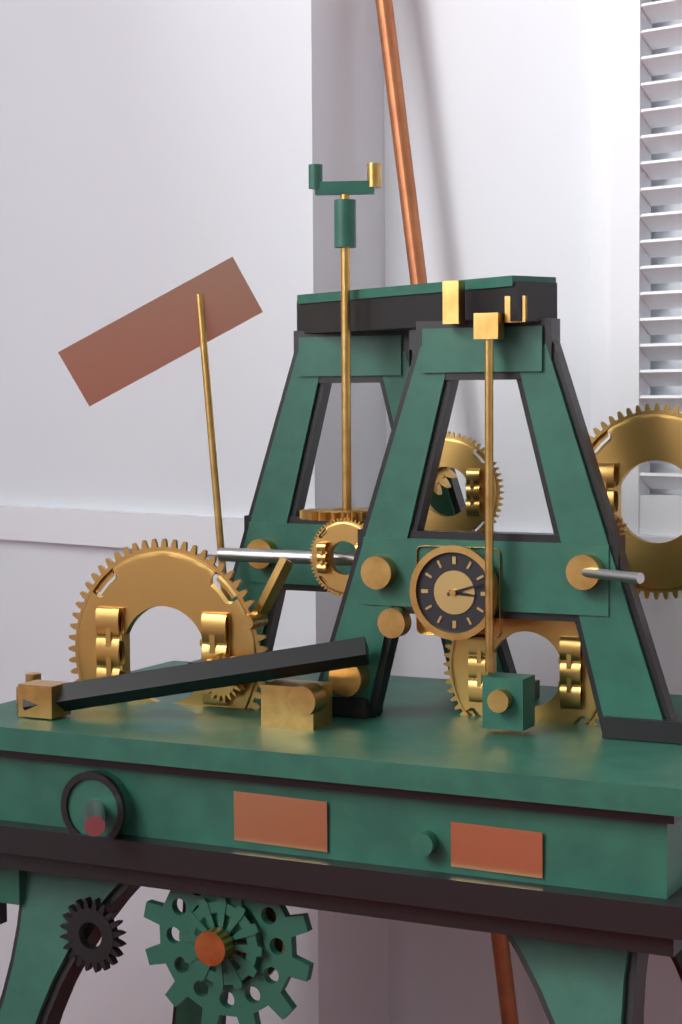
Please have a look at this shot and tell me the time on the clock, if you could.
3:12
